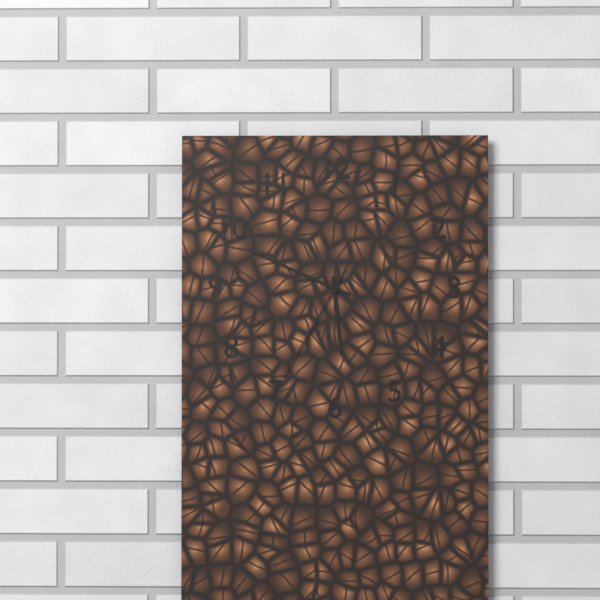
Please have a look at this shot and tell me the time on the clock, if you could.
5:49:35
